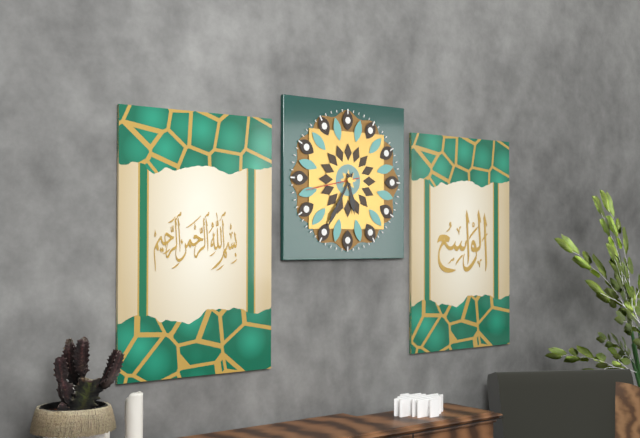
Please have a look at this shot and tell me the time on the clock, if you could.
5:35:43
